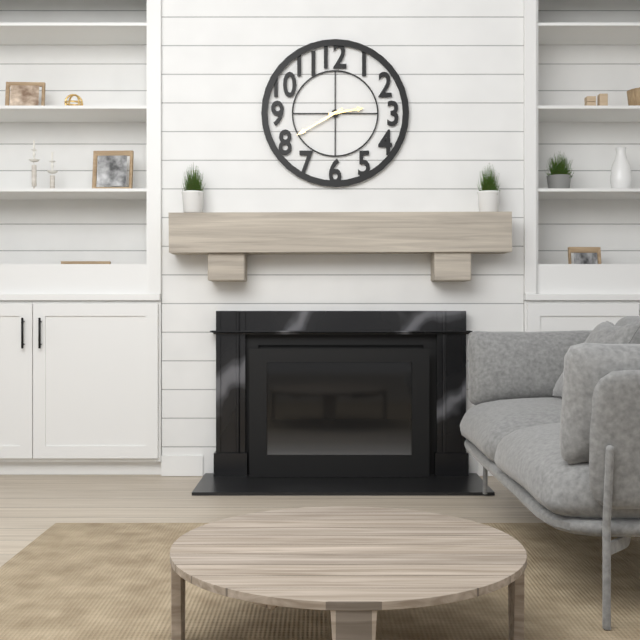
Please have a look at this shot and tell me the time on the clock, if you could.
2:40
